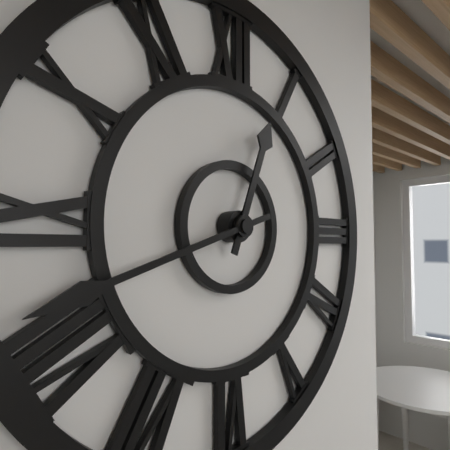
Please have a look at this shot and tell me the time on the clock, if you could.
12:42
